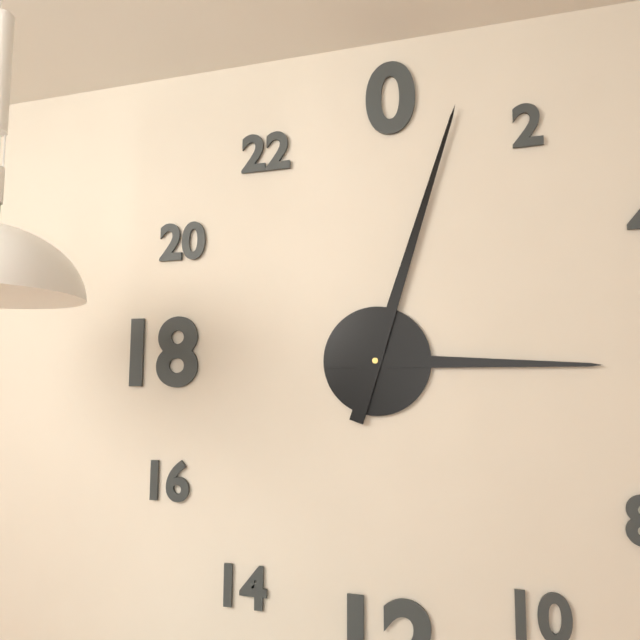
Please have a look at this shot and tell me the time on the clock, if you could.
3:03
